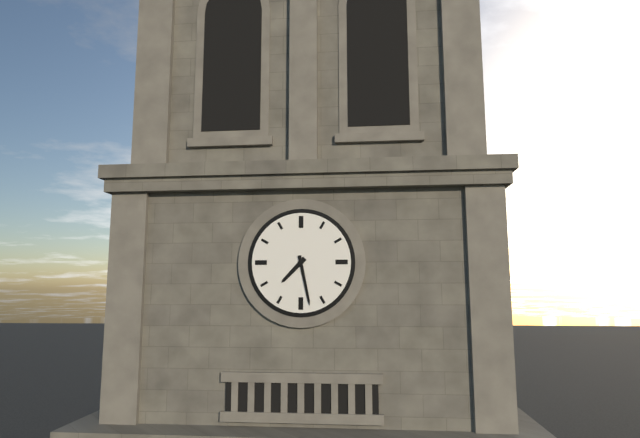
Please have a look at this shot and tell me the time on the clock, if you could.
7:28
